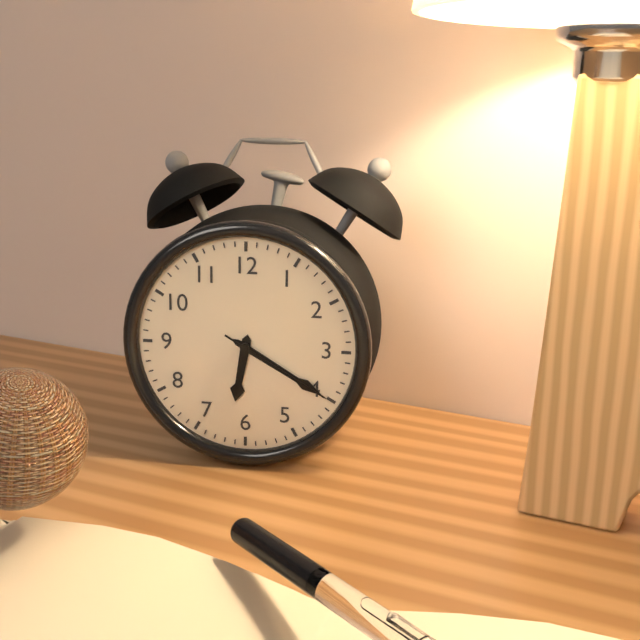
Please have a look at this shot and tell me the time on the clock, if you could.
6:20:20
